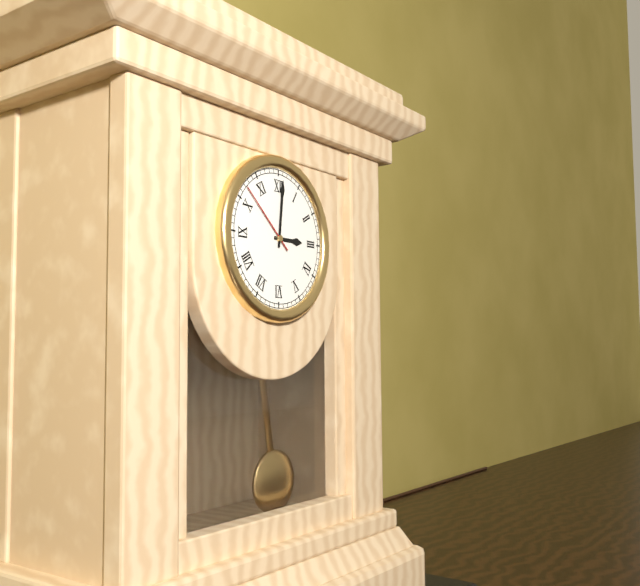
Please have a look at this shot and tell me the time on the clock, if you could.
3:01:52
